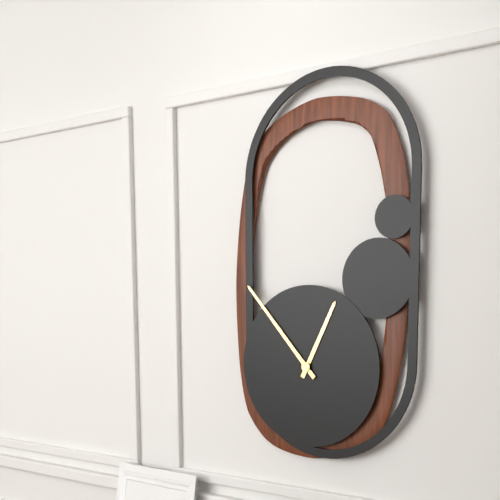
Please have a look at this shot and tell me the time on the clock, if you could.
12:53
